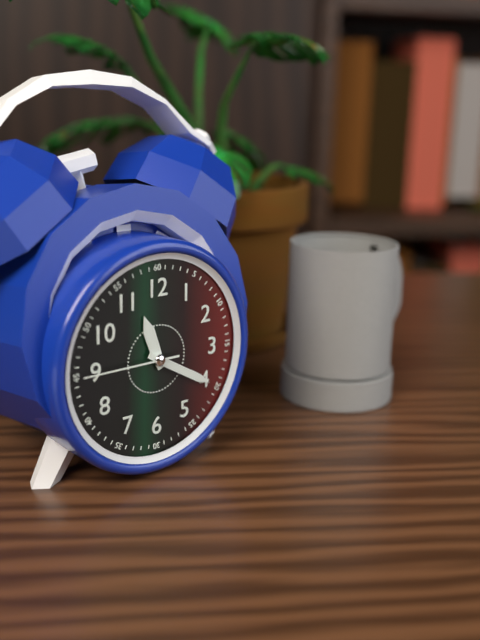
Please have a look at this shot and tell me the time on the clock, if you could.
11:20:45
